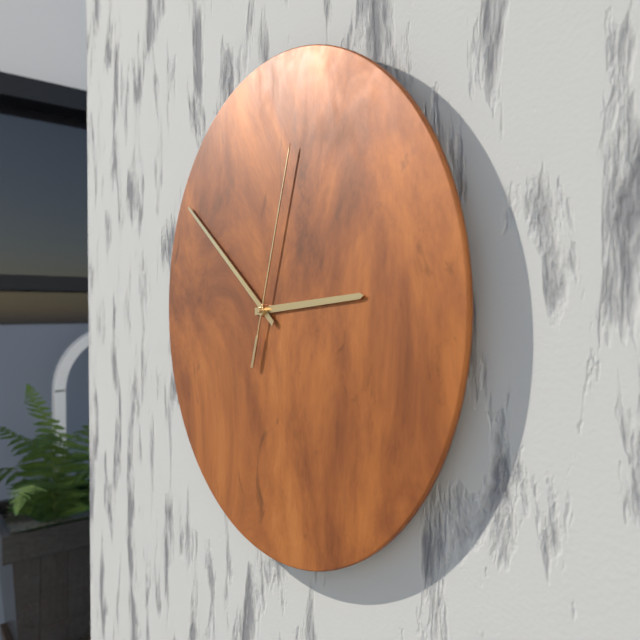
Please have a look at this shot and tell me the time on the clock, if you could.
2:51:03
